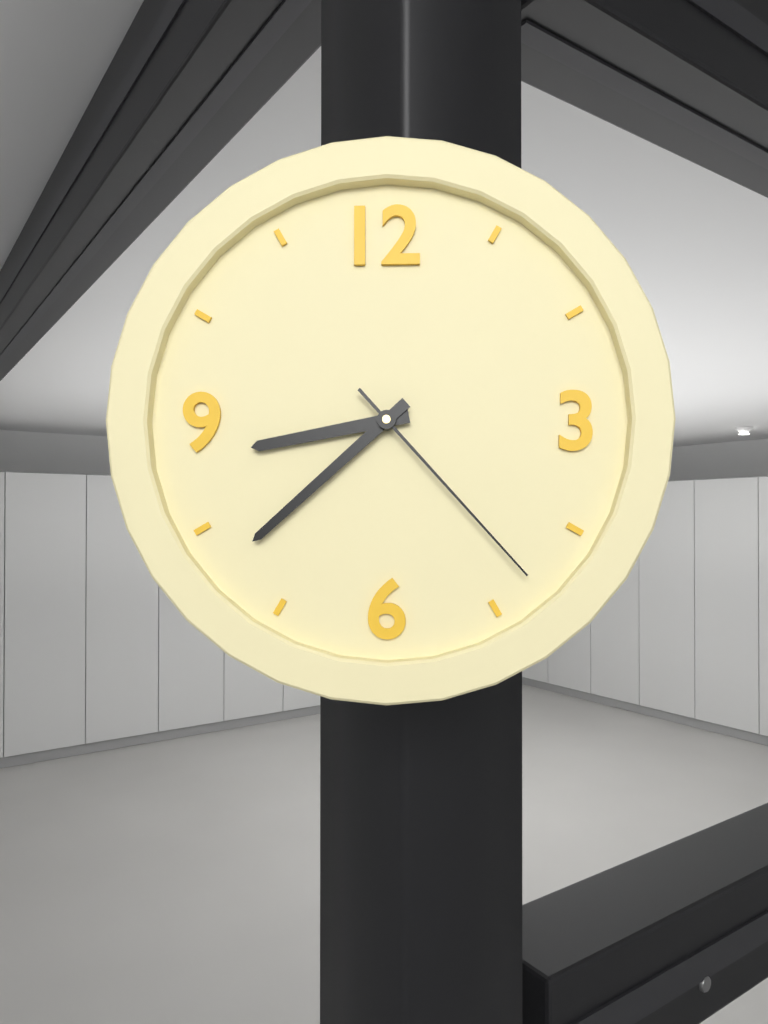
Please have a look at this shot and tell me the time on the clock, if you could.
8:38:23
